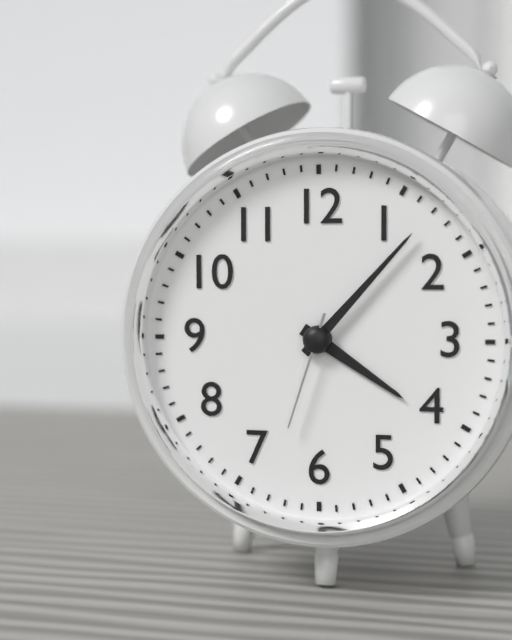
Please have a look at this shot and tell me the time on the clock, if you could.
4:07:33
